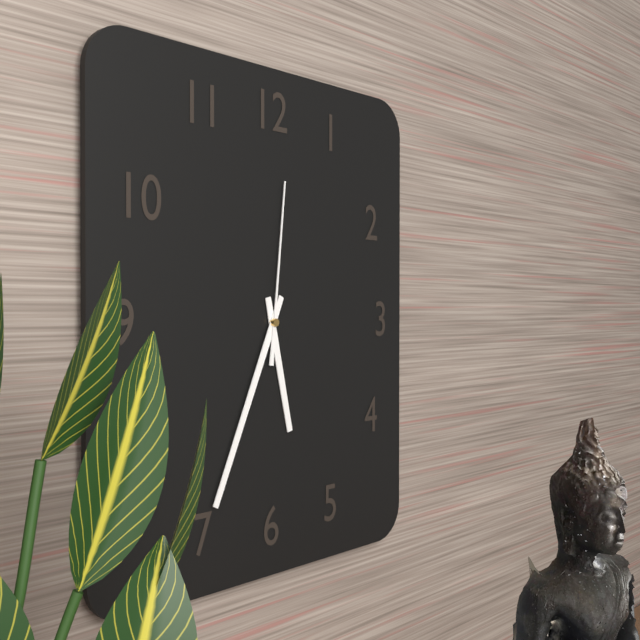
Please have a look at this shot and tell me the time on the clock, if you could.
5:34:01
